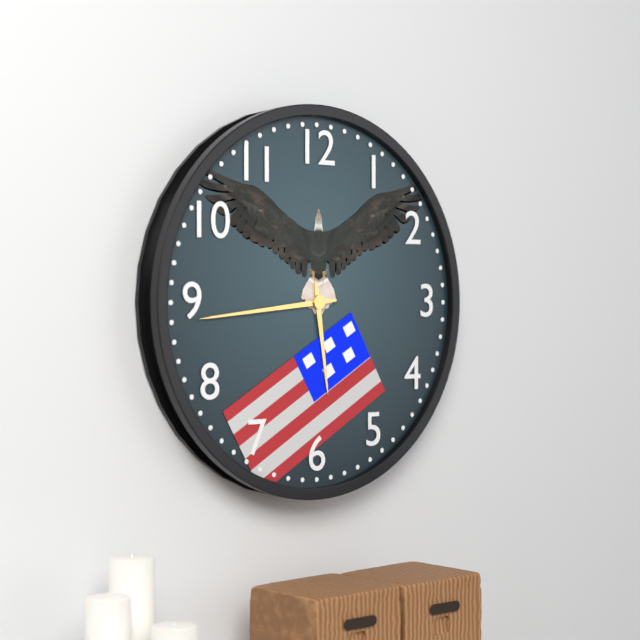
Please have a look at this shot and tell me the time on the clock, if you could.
5:44
